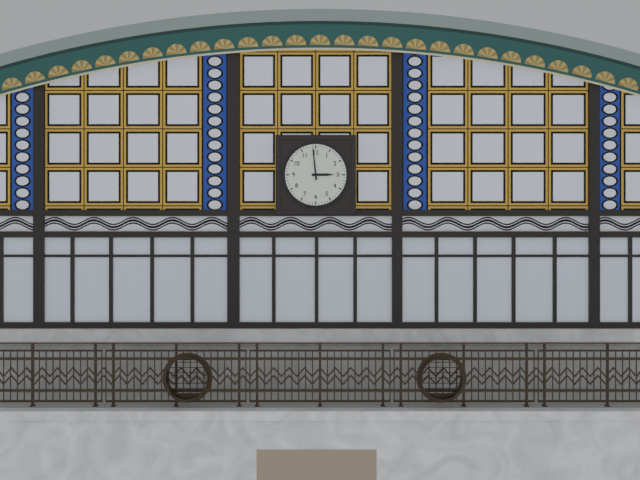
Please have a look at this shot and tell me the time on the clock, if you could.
2:59
